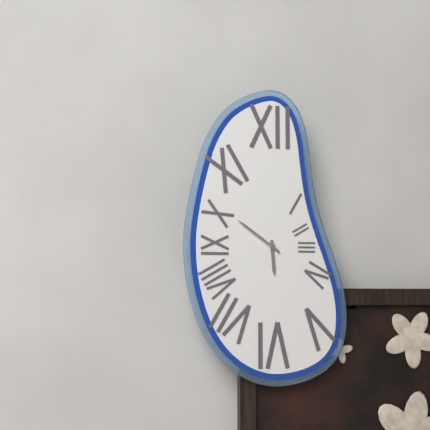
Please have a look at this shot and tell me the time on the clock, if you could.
5:51
